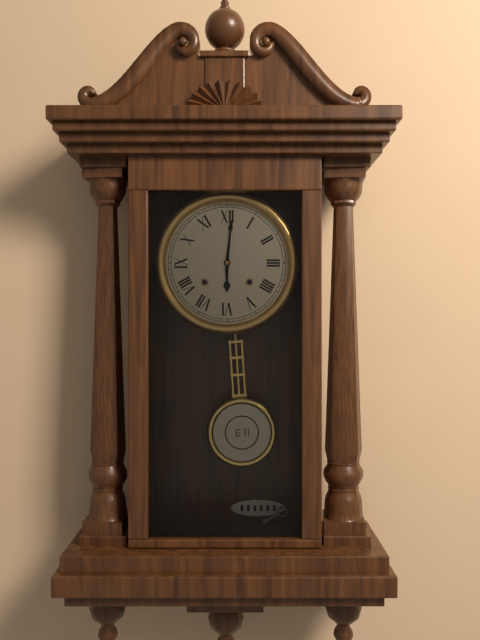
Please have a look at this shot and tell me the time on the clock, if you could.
6:01
